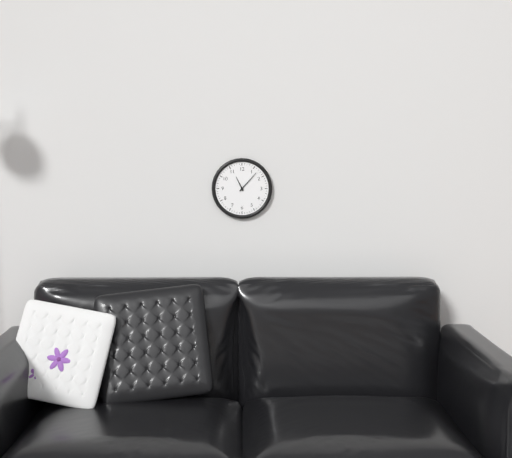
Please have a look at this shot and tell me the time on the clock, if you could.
11:07
